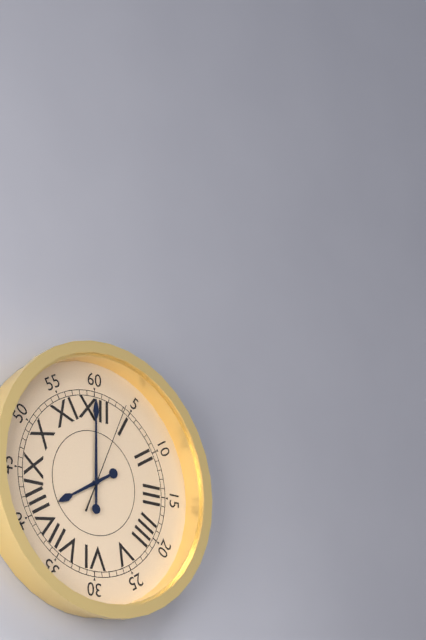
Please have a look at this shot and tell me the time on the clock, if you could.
8:00:04
